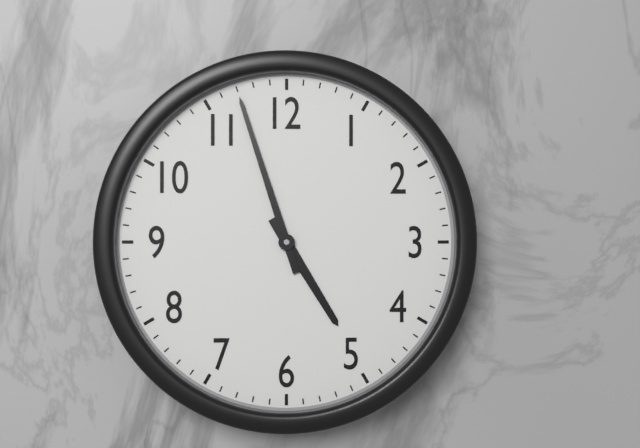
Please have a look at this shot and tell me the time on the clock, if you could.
4:57
